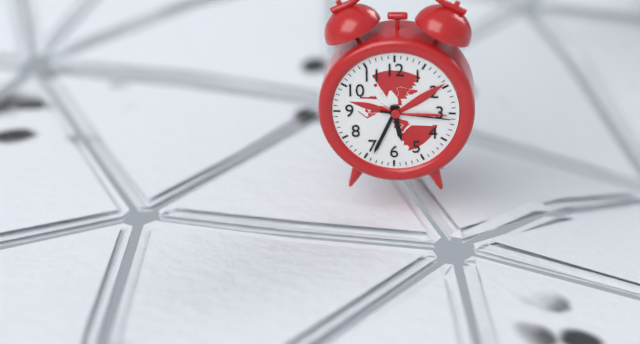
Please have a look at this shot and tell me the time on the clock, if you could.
5:34:16
